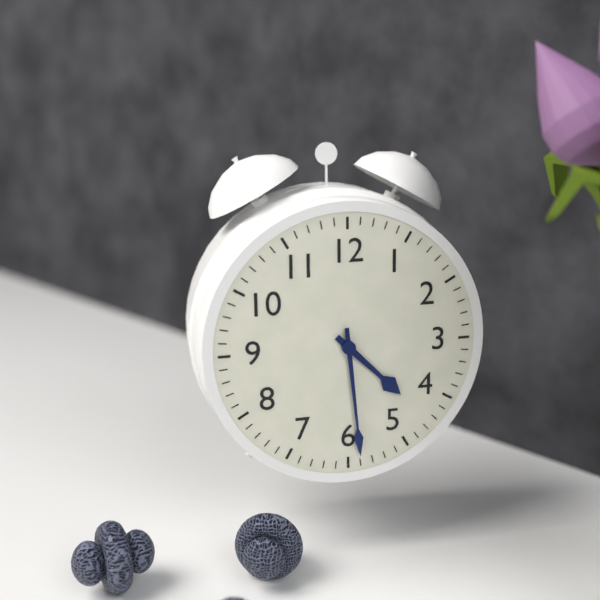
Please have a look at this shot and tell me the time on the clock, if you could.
4:29
